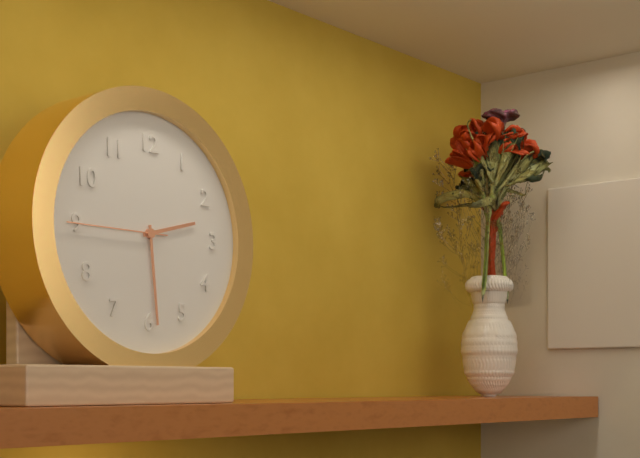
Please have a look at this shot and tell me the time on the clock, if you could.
2:29:45
